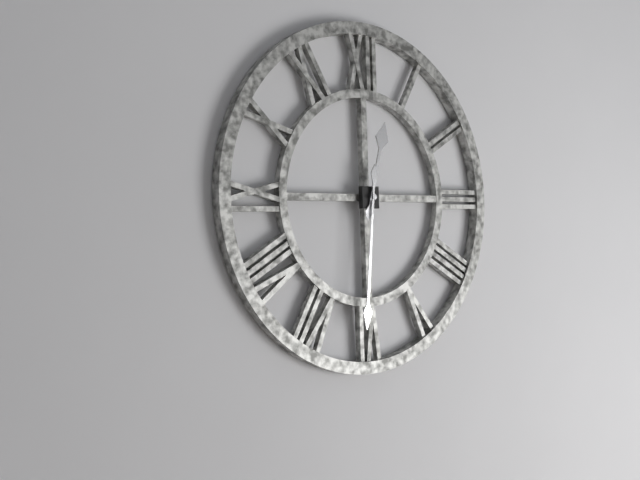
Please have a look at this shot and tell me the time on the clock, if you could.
12:31
